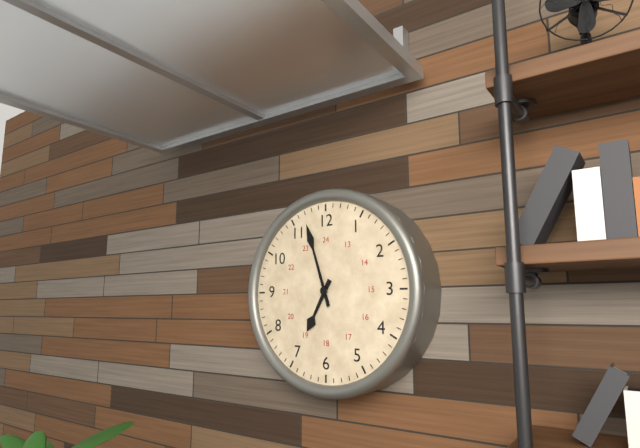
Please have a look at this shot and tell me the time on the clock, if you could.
6:57
